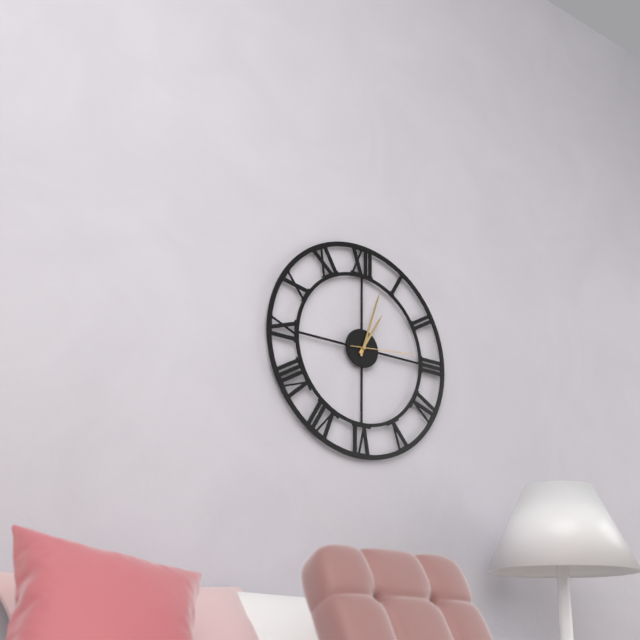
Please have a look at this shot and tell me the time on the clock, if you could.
1:03:14
